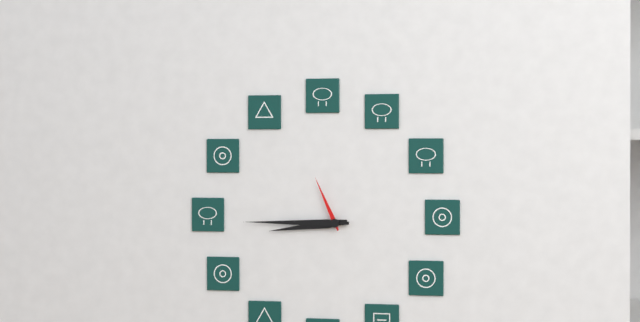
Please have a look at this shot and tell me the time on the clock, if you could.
8:45:56
